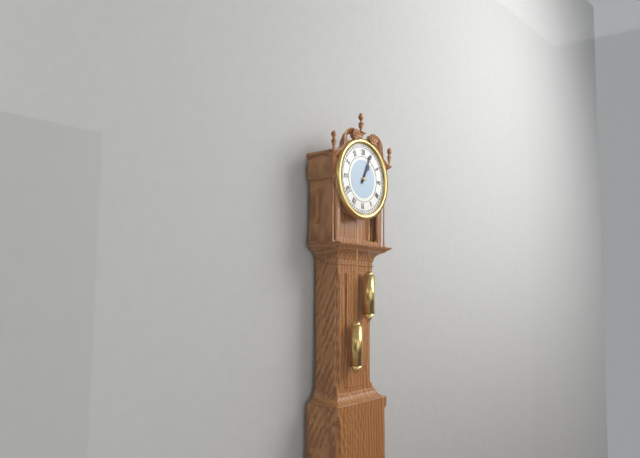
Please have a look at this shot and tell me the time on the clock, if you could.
1:04
